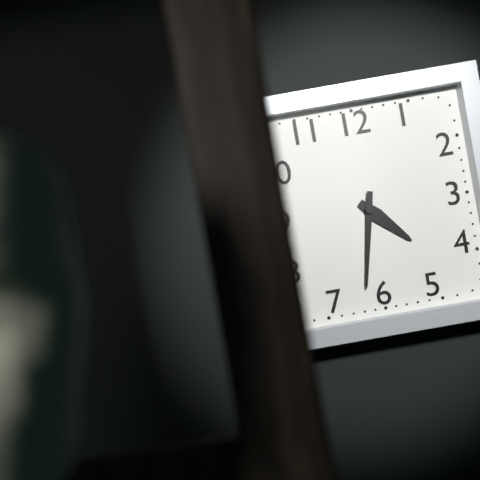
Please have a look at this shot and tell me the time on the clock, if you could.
4:32
